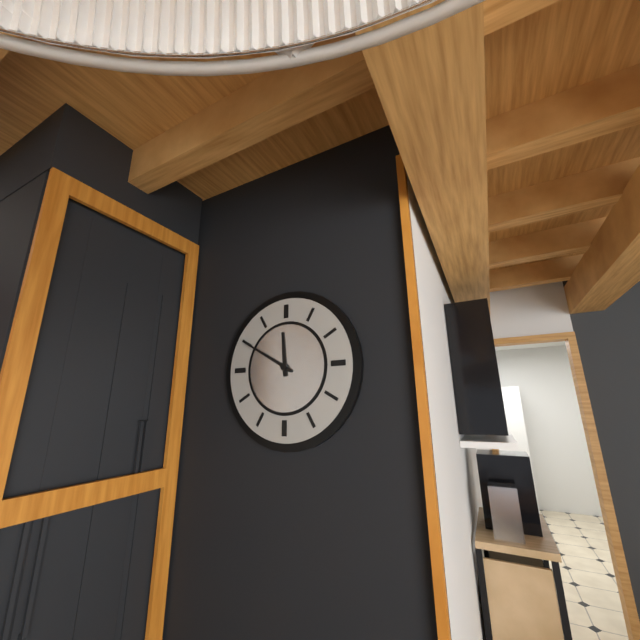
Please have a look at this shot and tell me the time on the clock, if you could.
11:50
